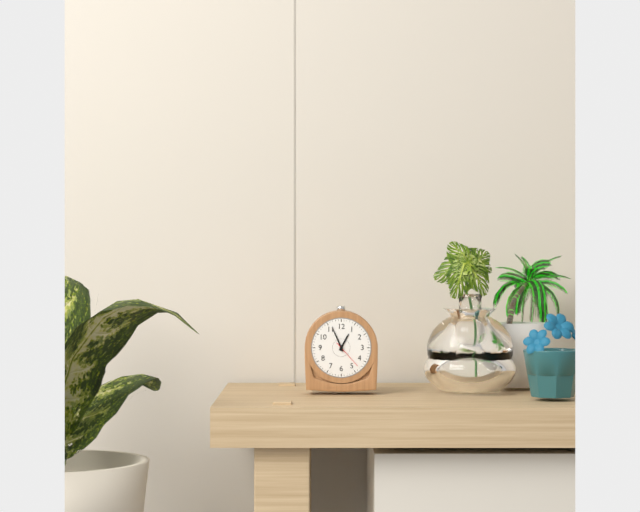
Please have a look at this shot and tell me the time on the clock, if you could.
12:56
